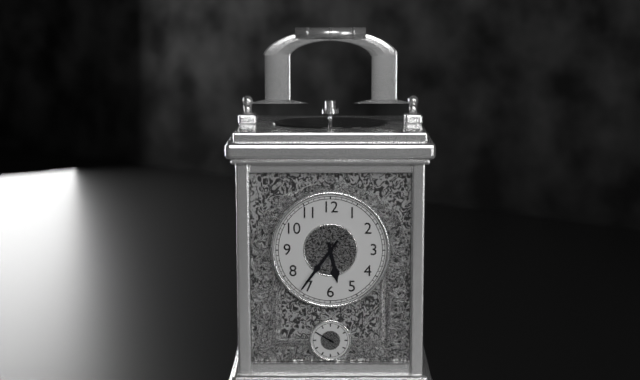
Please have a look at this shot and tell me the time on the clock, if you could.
5:36
